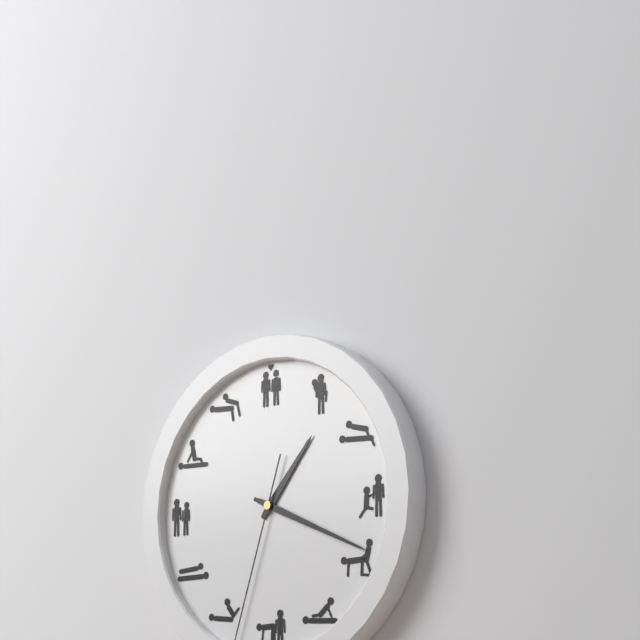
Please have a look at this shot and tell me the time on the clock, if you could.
1:19
